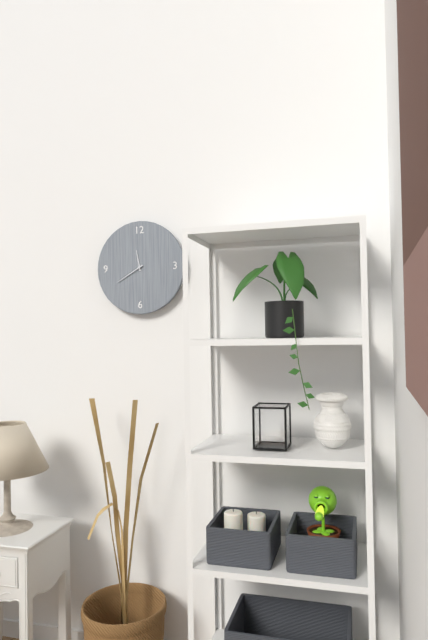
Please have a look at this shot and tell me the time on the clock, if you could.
11:40
